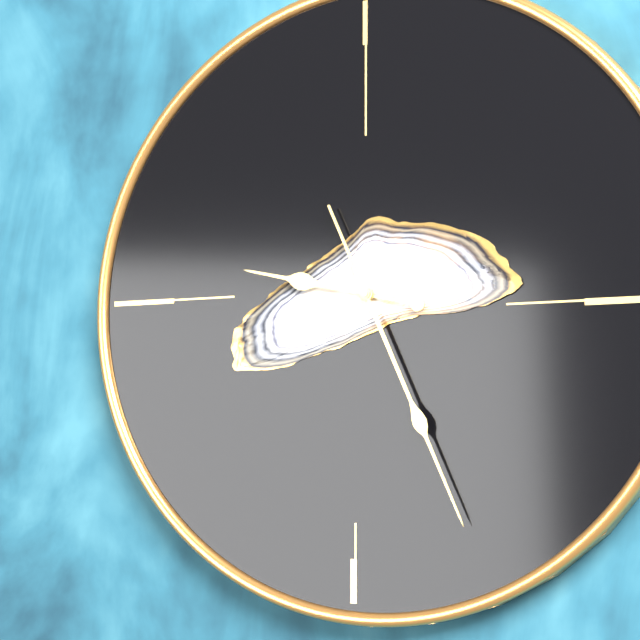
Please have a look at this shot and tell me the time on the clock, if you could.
9:26
